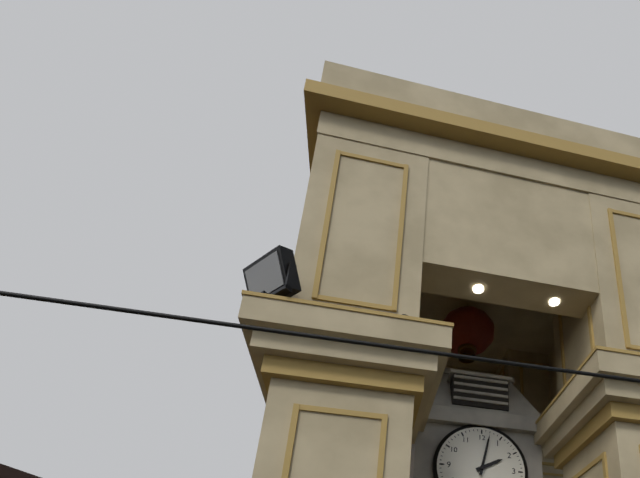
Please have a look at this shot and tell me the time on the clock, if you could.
2:02
